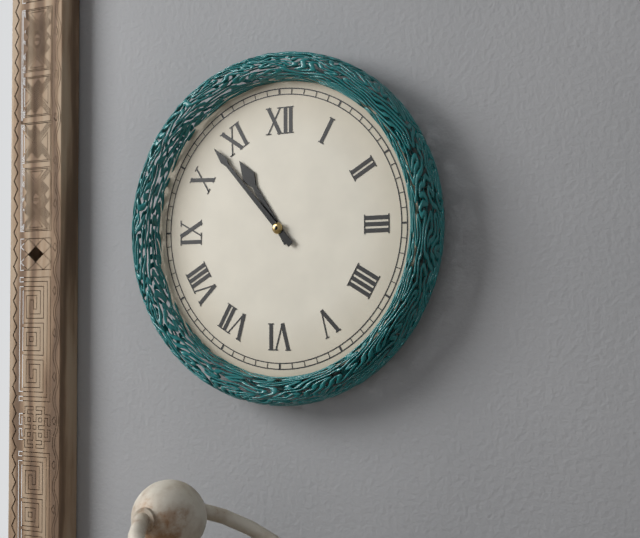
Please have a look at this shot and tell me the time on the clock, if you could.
10:53
